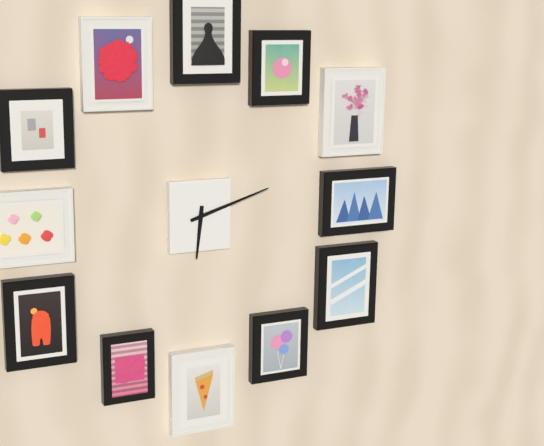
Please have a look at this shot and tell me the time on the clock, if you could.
6:12
